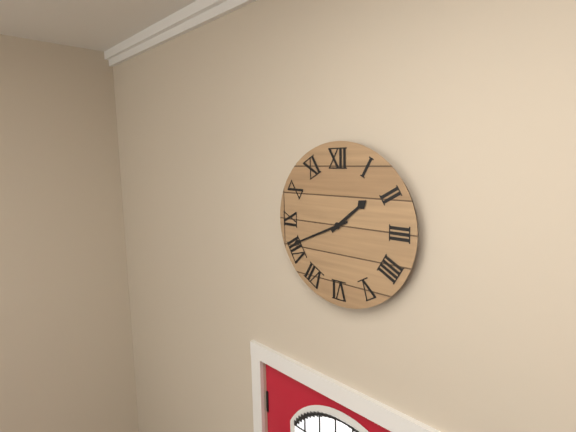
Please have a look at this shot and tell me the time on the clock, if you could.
1:41
